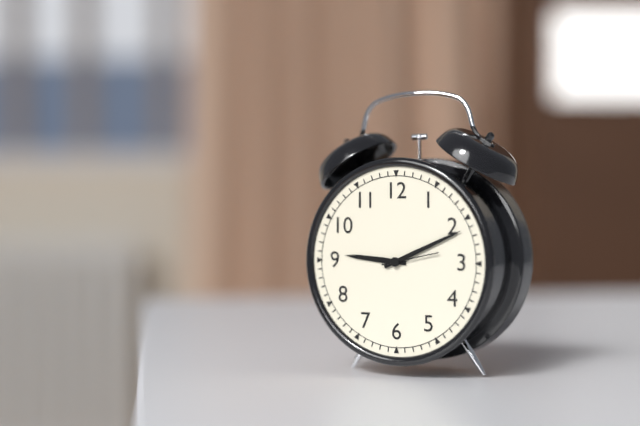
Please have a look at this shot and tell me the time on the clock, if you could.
9:11:13
